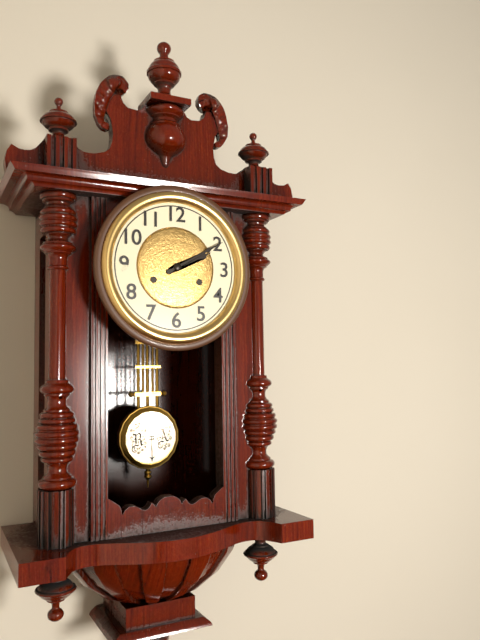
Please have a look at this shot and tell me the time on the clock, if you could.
2:10
